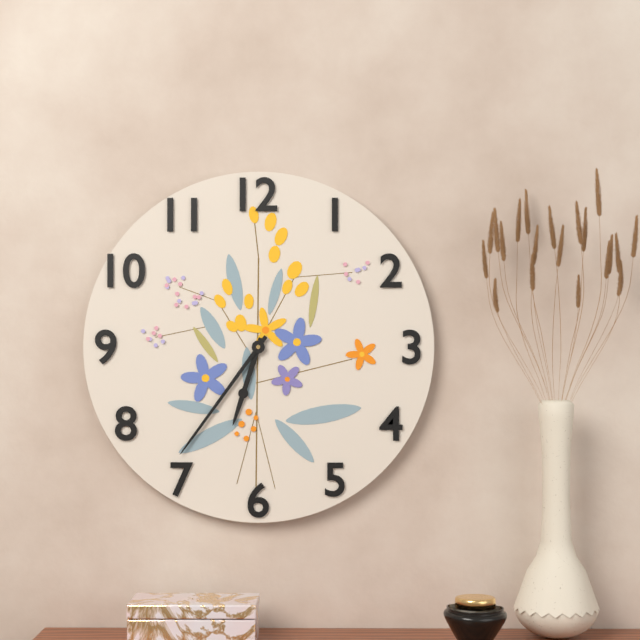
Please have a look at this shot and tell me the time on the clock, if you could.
6:36
